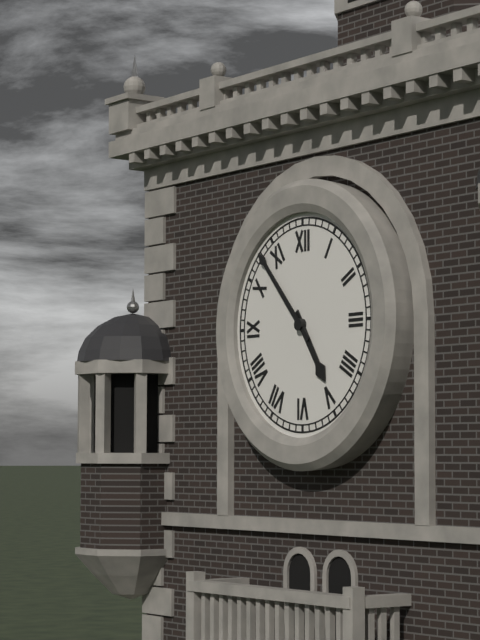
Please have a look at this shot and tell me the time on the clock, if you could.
4:53
